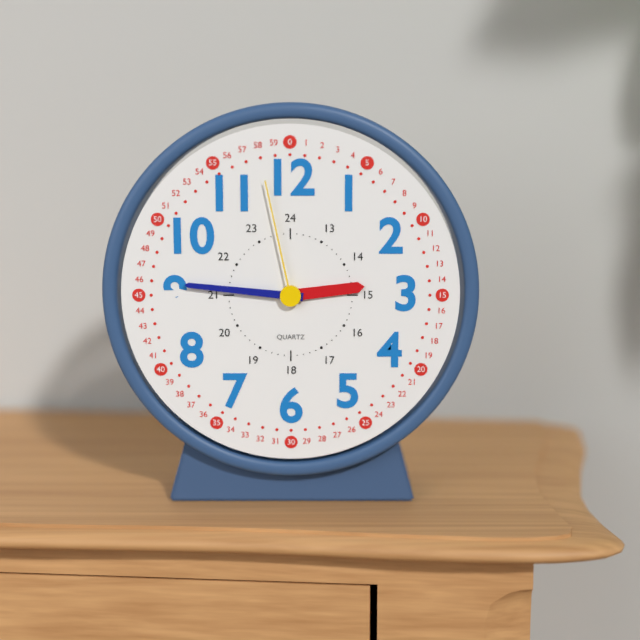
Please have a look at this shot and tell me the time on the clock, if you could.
2:46:58
